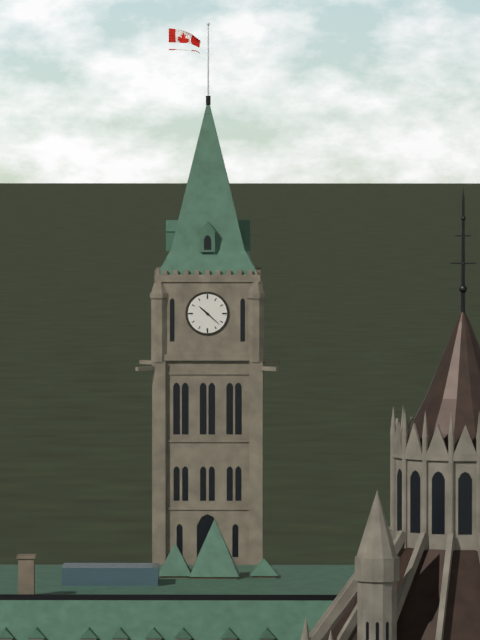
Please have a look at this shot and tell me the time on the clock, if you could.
10:22
